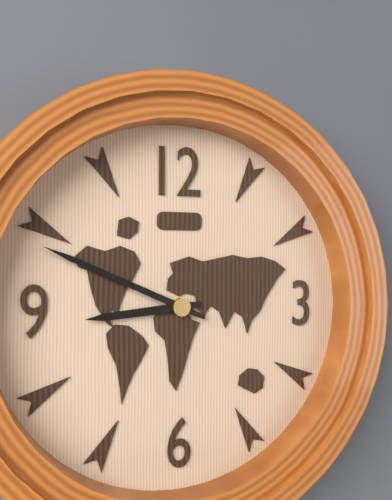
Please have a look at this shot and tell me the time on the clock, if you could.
8:49
